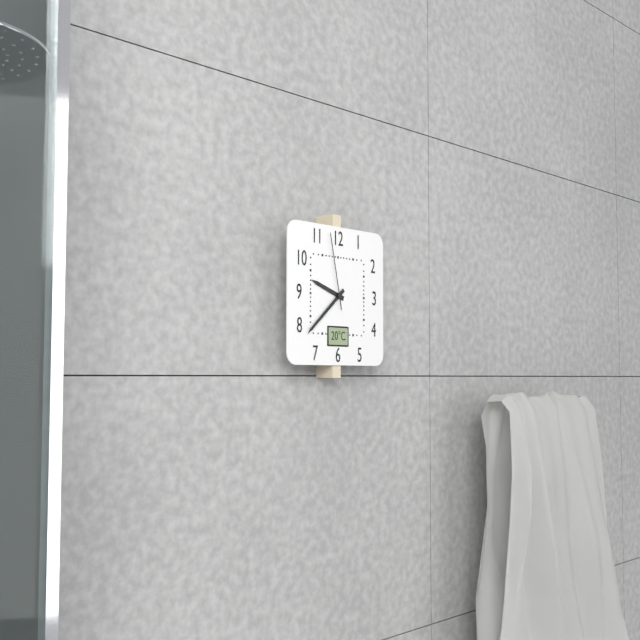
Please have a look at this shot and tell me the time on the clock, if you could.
9:38:58
